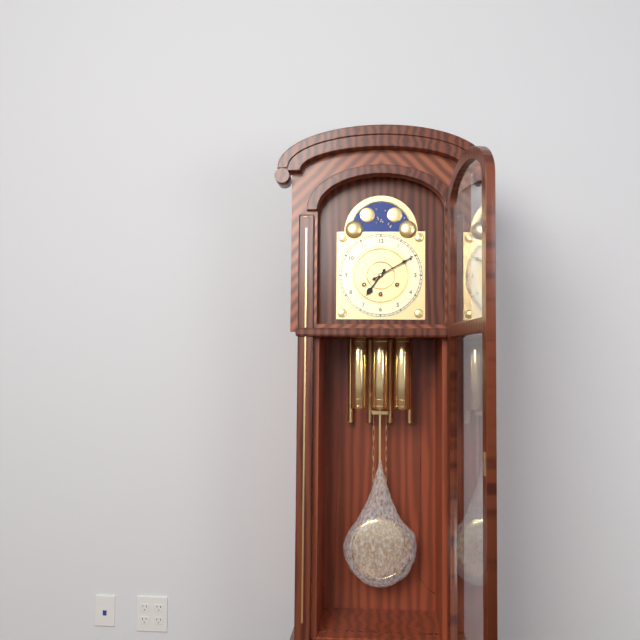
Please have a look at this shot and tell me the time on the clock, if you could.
7:10
